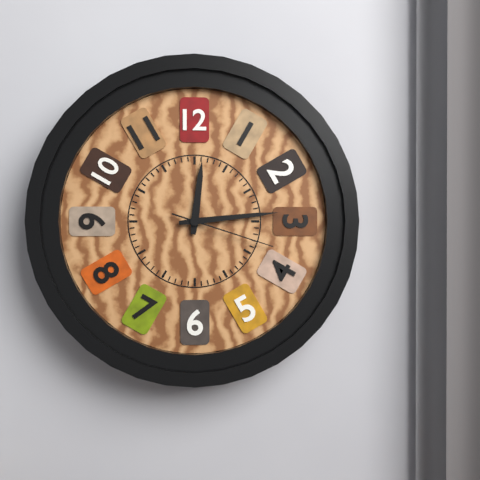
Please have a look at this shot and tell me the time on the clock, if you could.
12:14:18
